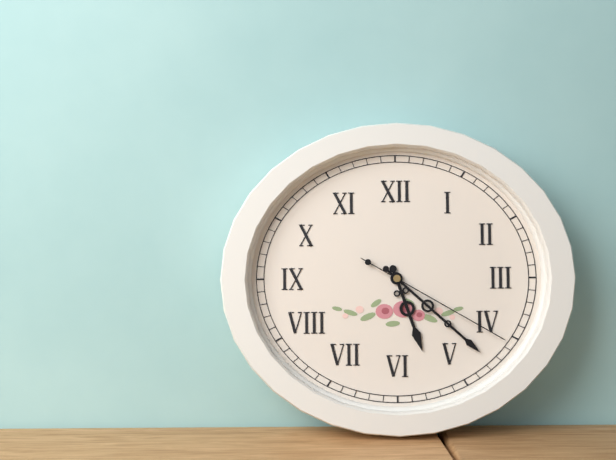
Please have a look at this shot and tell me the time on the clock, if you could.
5:22:20
